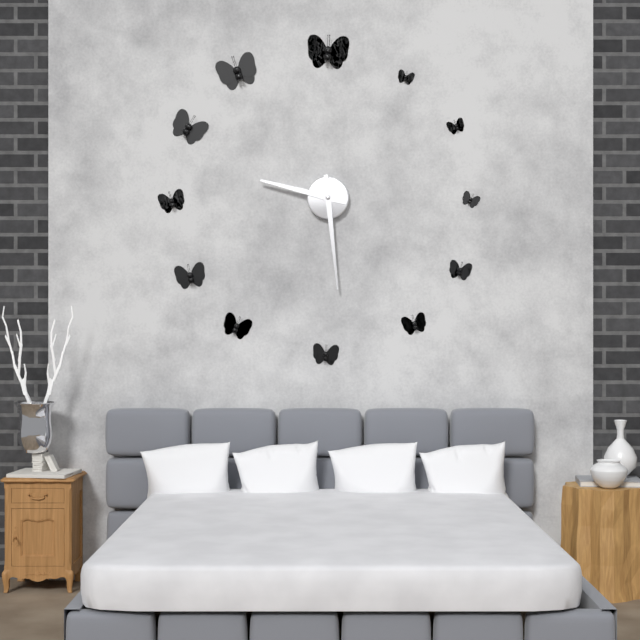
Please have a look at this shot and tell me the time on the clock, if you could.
9:29
